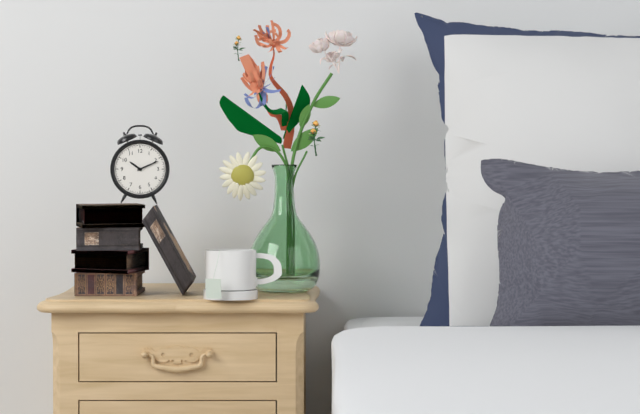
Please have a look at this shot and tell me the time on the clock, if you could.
10:11
